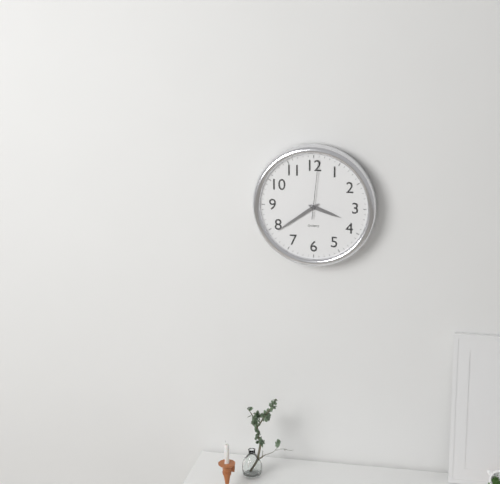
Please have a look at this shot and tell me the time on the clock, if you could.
3:39:01
